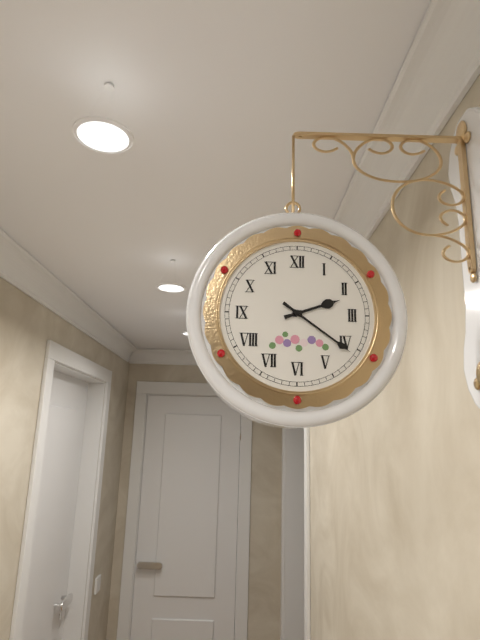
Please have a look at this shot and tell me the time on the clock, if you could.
2:21
